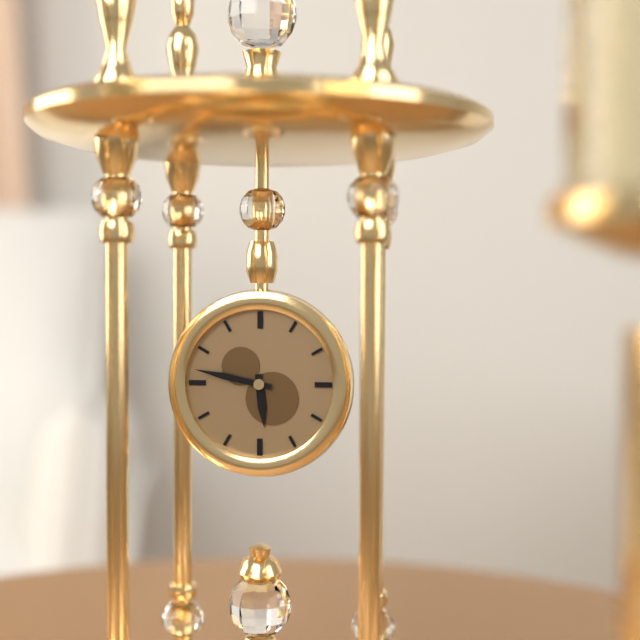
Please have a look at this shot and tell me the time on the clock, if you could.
5:47
